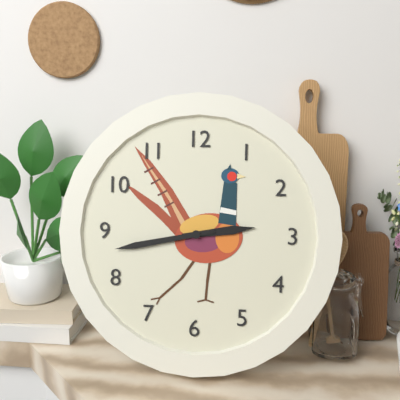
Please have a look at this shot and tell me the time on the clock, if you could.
2:43
